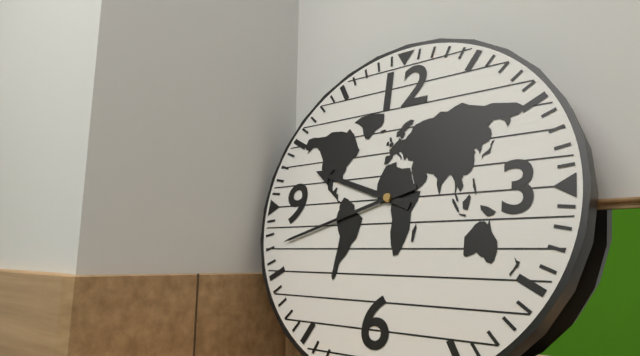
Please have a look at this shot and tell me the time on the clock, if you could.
9:42
